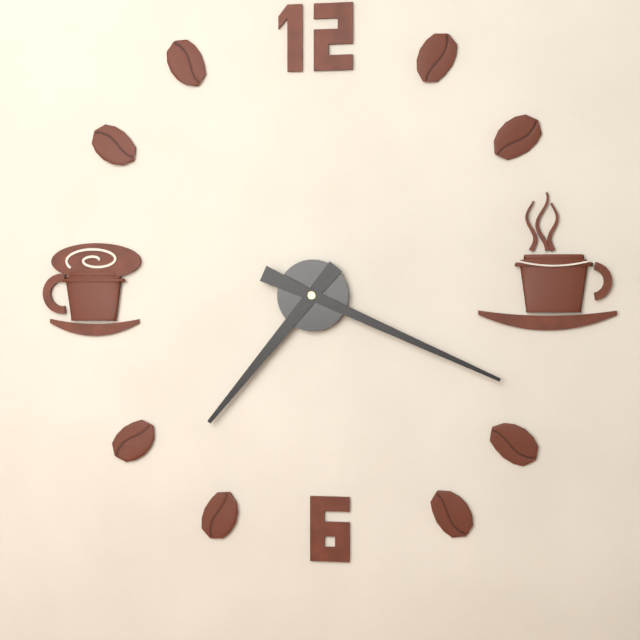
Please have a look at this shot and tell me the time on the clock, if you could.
7:19
